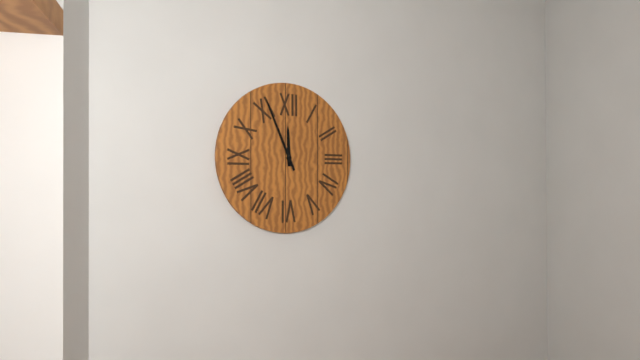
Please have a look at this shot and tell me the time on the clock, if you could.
11:56
